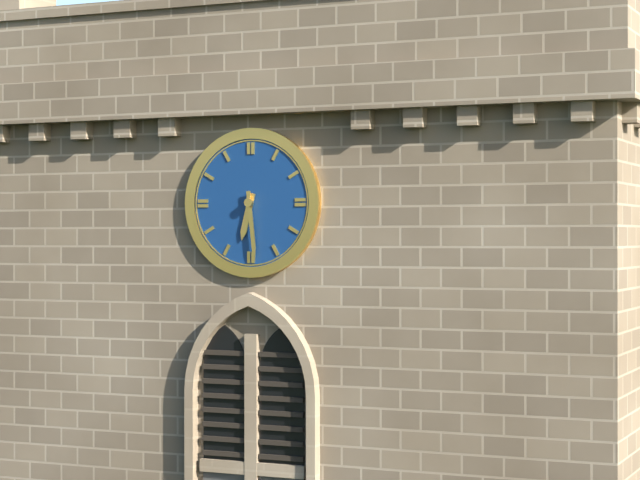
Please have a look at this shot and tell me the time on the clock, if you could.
6:29
